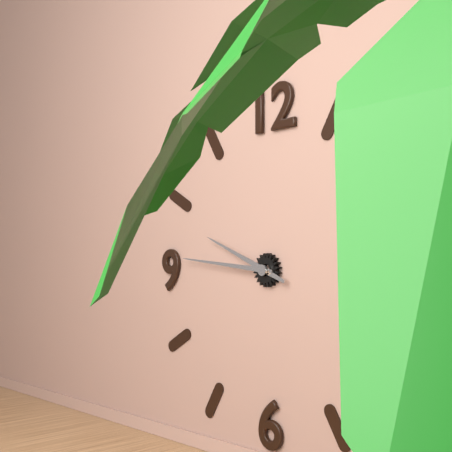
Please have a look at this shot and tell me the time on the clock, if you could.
9:46
